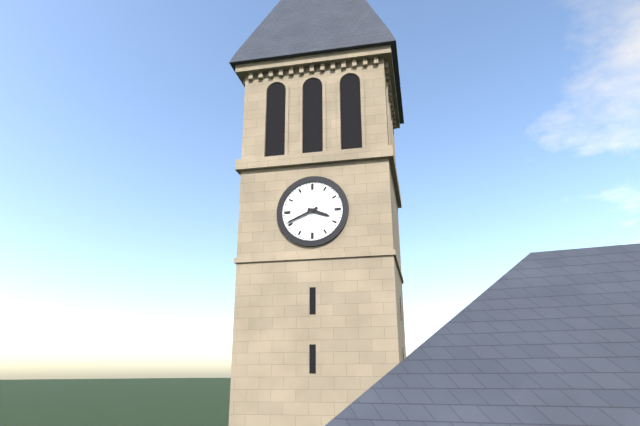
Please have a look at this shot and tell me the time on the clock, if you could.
3:41
